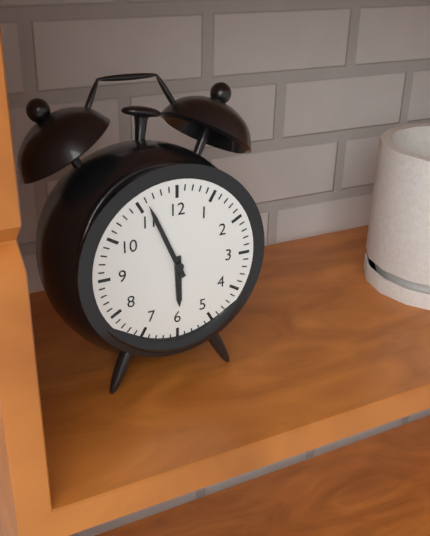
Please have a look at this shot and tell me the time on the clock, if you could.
5:56
